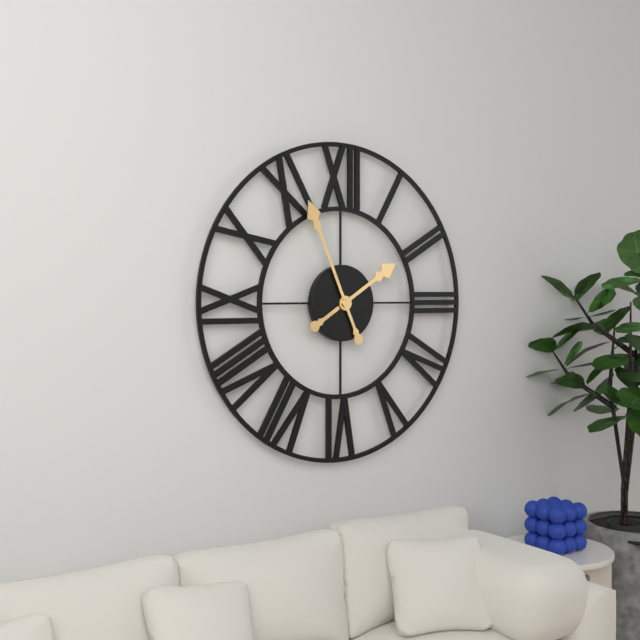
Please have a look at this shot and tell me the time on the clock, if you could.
1:56
